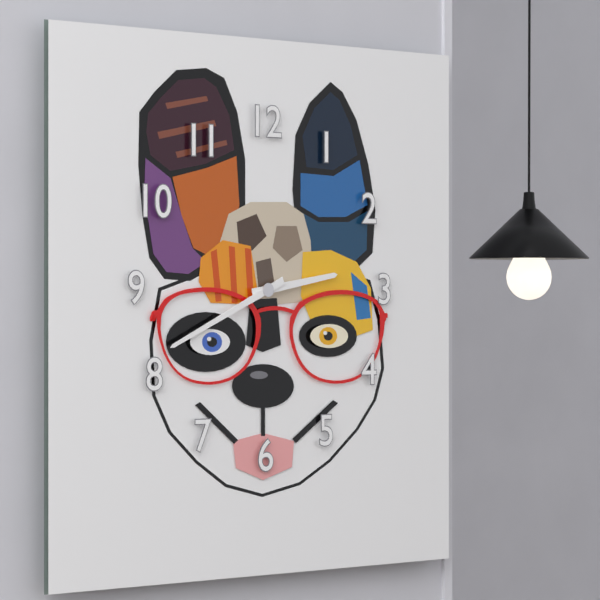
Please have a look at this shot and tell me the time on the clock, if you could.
2:41
